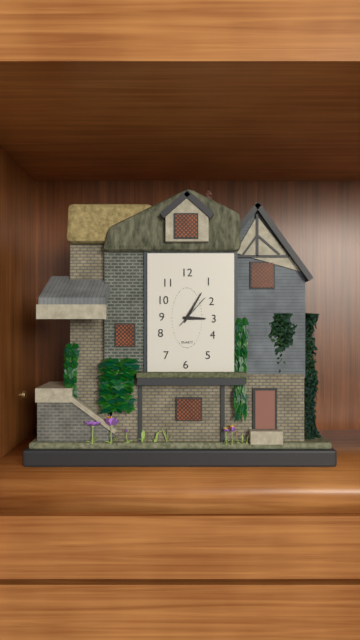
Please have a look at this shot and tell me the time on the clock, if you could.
3:05
